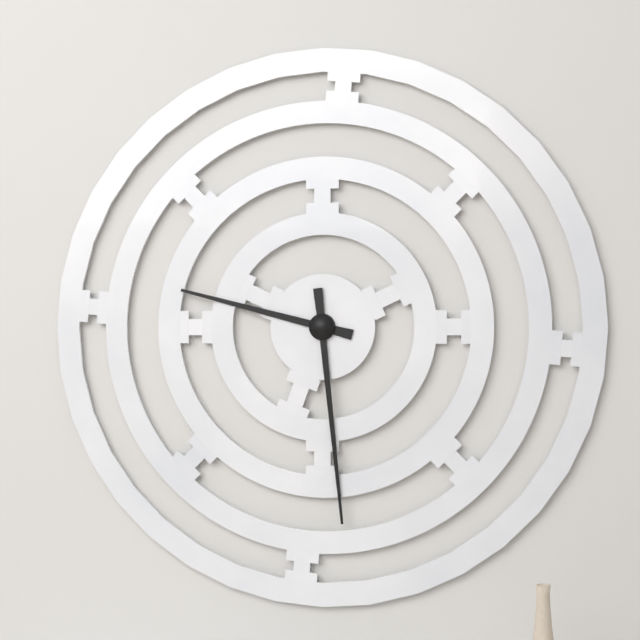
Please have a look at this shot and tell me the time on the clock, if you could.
9:29
